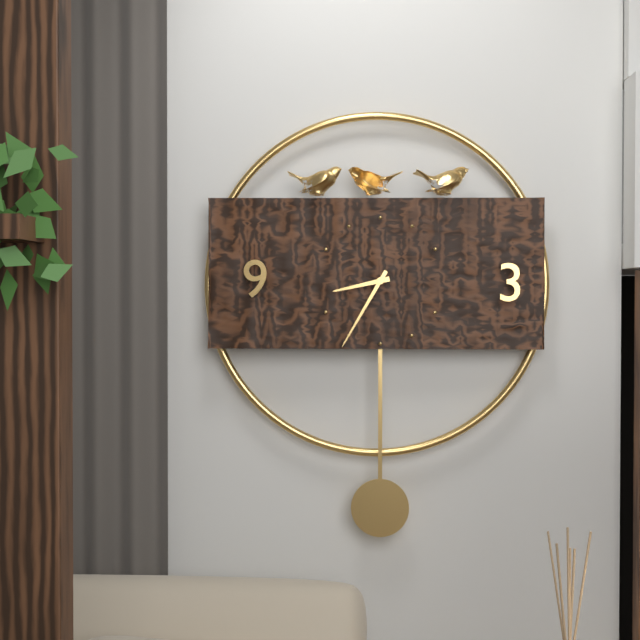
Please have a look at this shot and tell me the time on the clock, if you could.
8:35
